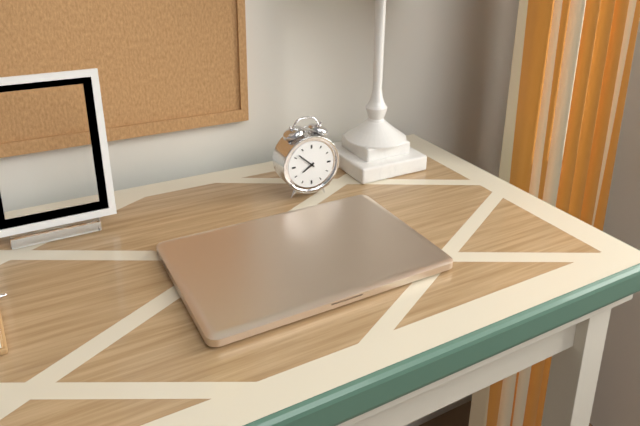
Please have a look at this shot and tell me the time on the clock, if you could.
7:52
